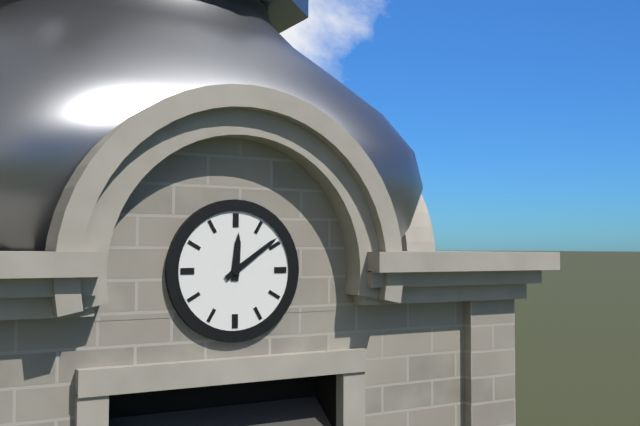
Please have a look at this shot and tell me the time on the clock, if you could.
12:09
